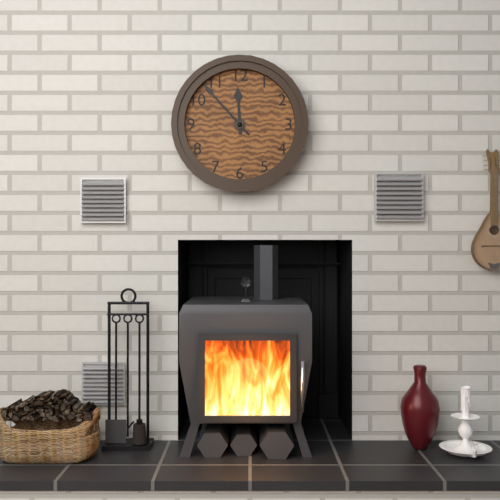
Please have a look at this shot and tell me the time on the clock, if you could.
11:53
